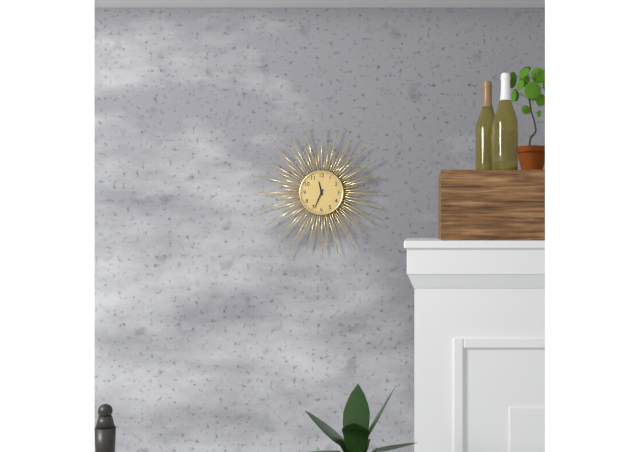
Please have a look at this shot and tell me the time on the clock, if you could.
11:34
